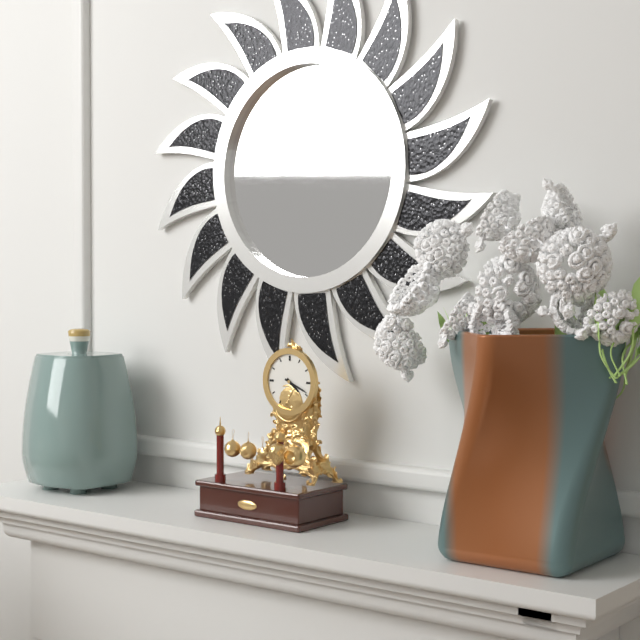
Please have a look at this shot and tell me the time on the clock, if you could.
4:19
